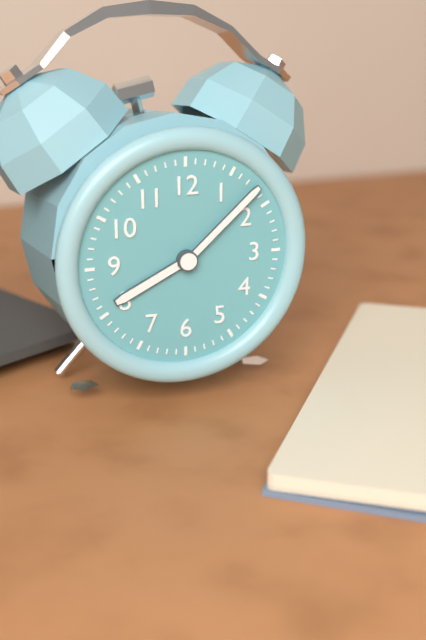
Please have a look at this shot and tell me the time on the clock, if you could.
8:08
